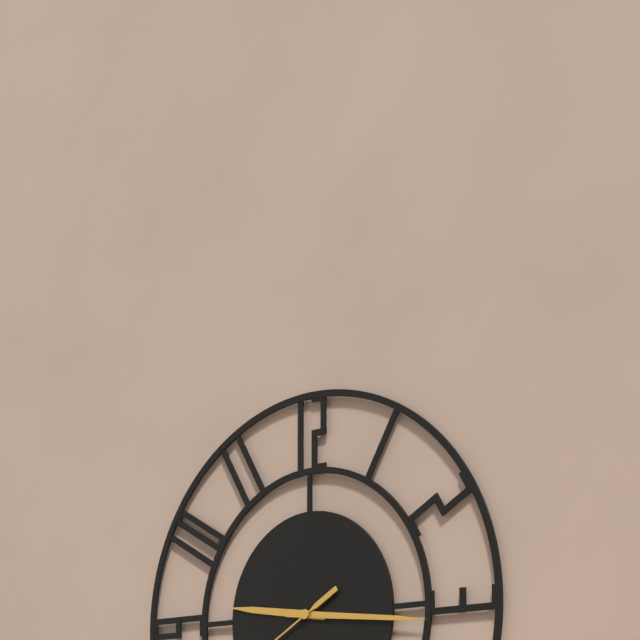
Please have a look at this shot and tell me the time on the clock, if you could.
9:16
